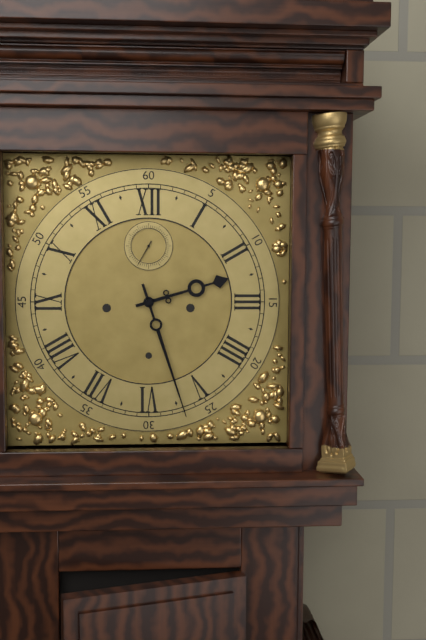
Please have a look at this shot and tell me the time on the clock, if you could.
2:27
